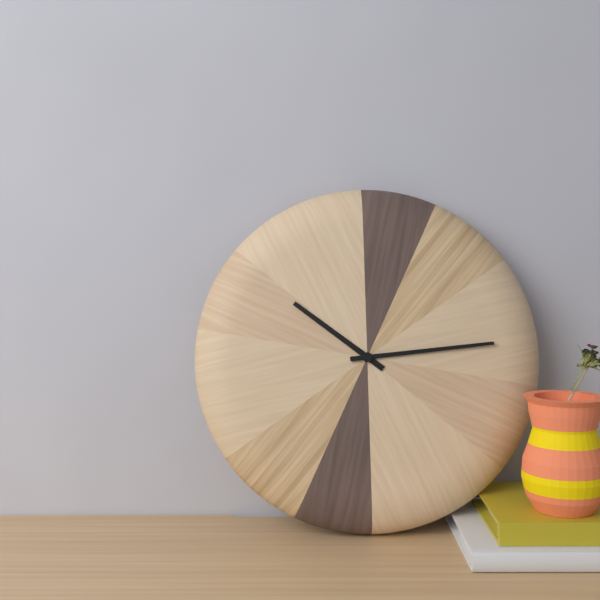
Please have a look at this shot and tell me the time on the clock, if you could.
10:14
